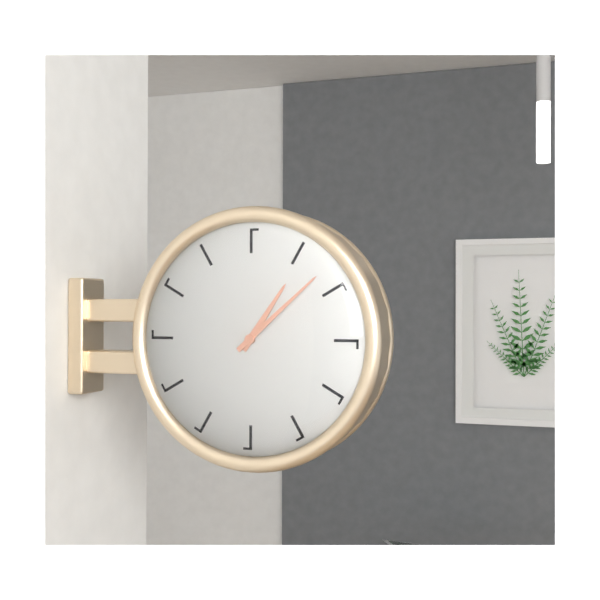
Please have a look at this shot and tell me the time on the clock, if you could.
1:08
